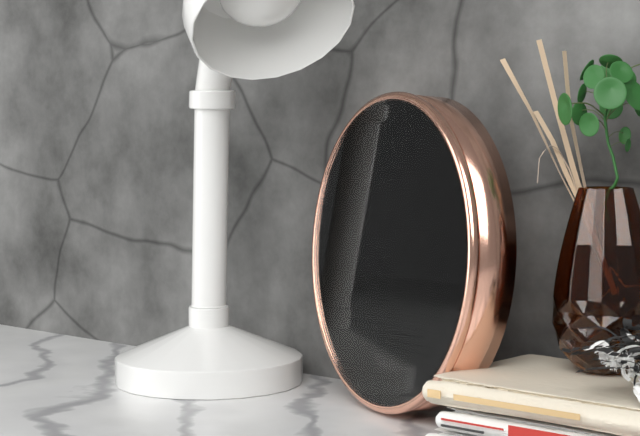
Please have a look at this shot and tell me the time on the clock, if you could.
9:44:07
